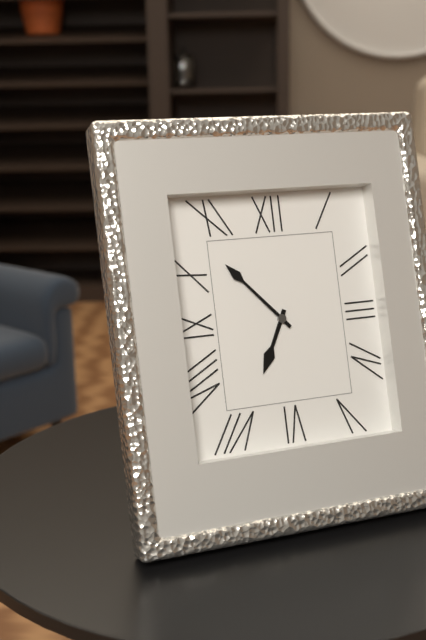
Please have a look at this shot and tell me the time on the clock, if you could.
6:53
